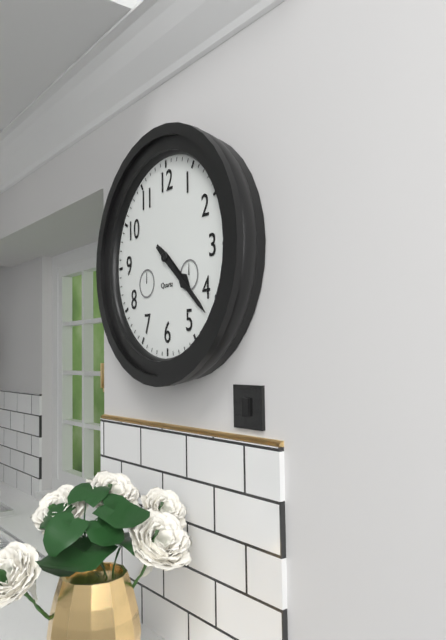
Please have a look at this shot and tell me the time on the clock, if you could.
4:22
